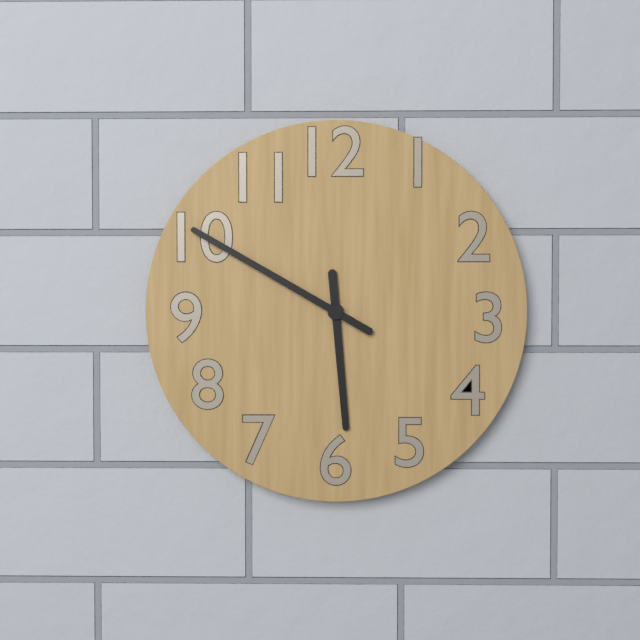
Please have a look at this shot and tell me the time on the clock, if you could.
5:50
